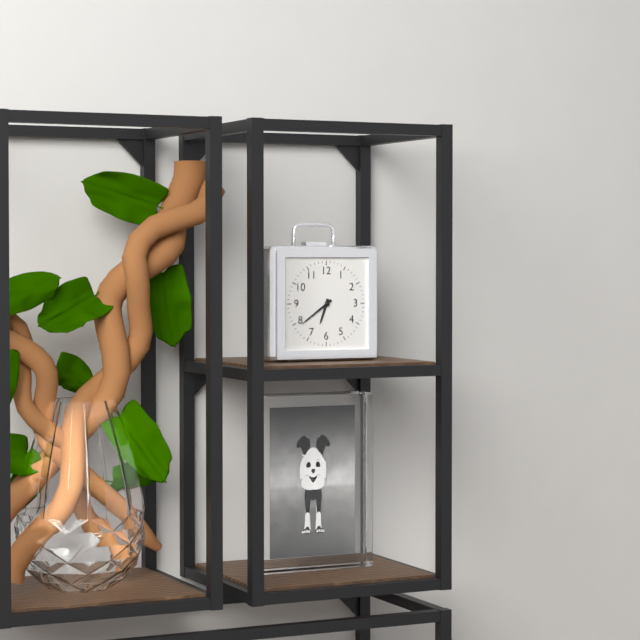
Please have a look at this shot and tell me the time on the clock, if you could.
6:39
